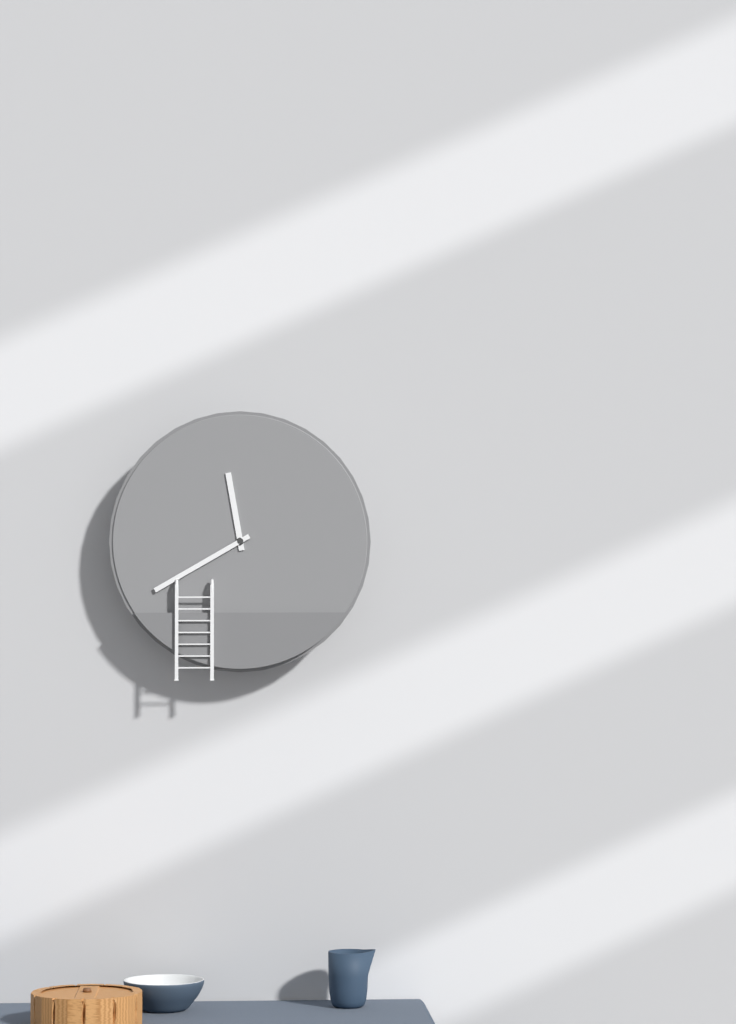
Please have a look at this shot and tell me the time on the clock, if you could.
11:40
